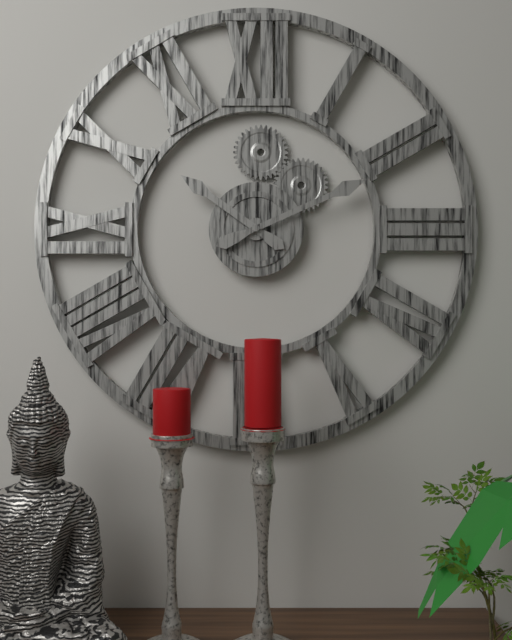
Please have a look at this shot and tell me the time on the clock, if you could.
10:11
